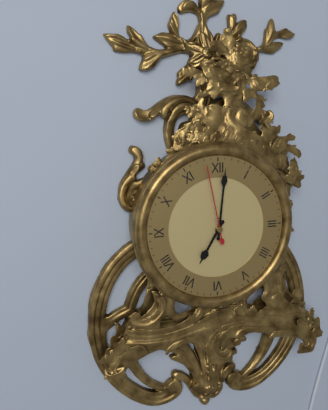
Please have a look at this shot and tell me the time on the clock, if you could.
7:01:58
